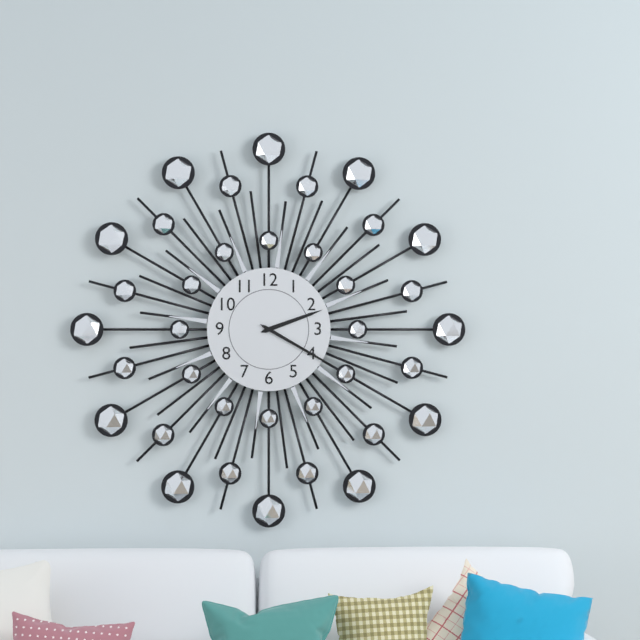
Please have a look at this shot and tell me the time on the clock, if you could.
2:20
